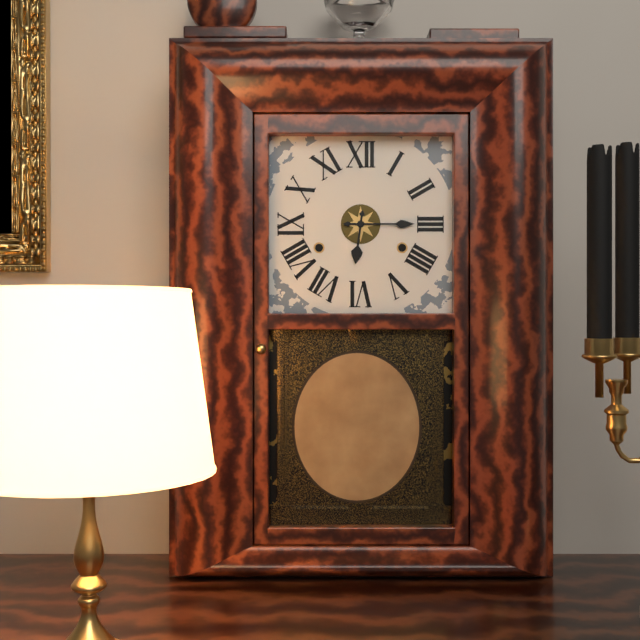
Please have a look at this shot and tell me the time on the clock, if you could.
6:15
